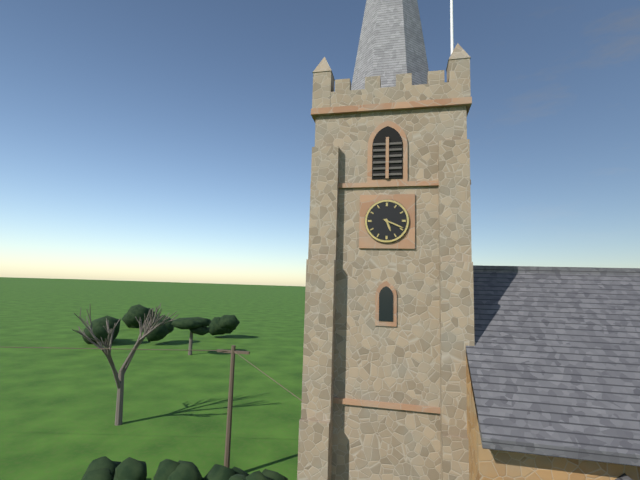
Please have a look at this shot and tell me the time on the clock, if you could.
5:19
